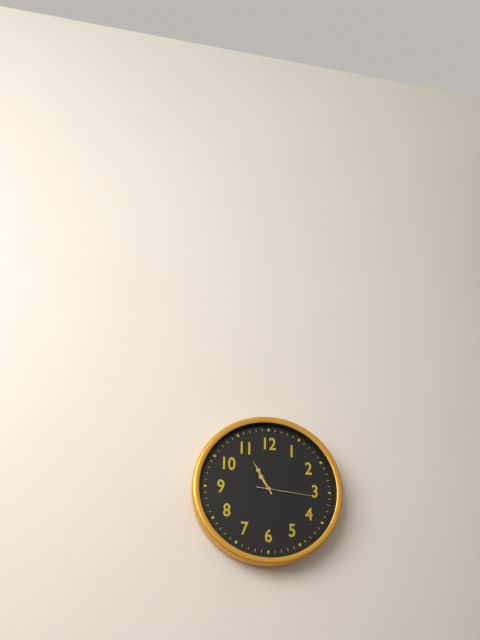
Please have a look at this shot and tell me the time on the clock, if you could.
10:55:16
